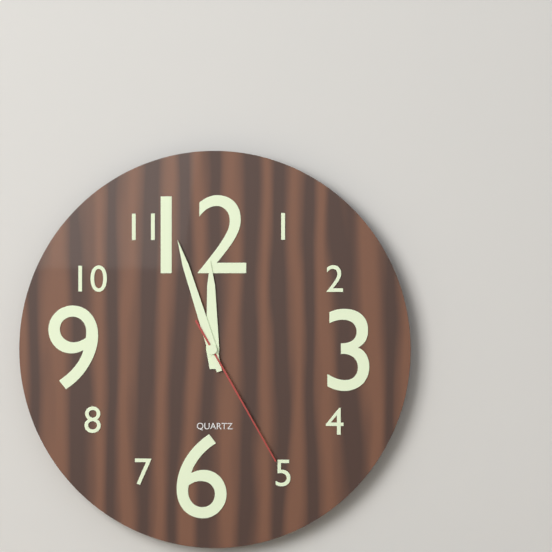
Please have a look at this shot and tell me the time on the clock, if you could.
11:57:25
